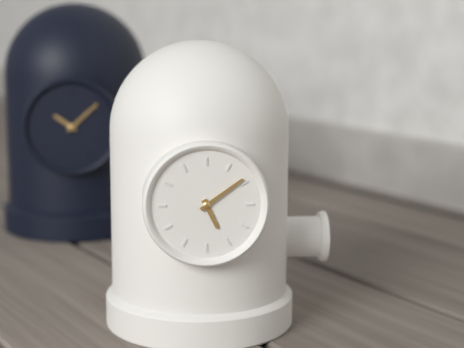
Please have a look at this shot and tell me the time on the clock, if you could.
5:09
